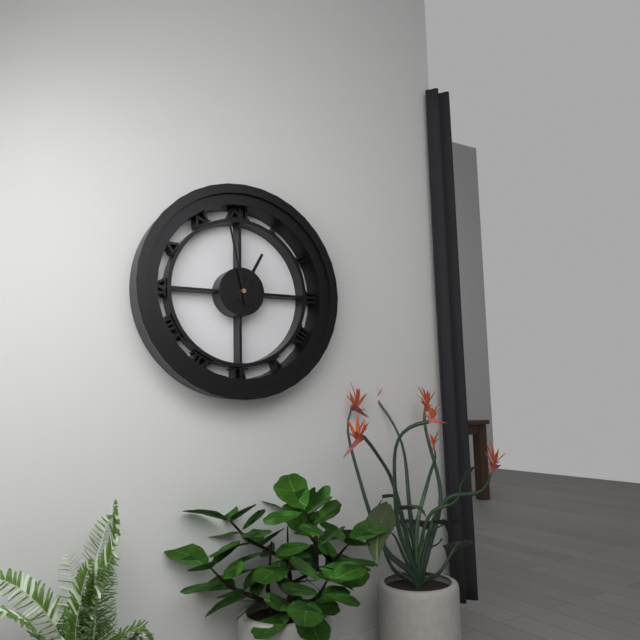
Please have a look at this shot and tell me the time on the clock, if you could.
12:58
